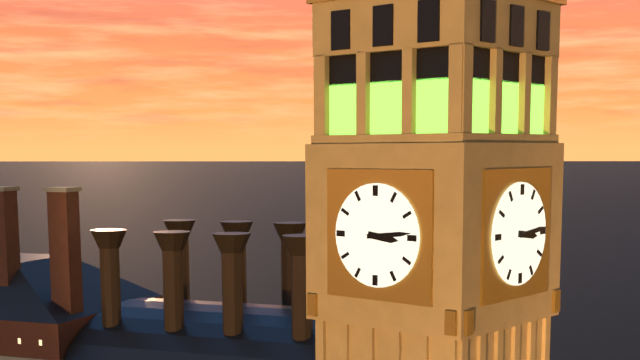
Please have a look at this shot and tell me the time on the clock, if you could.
3:14
